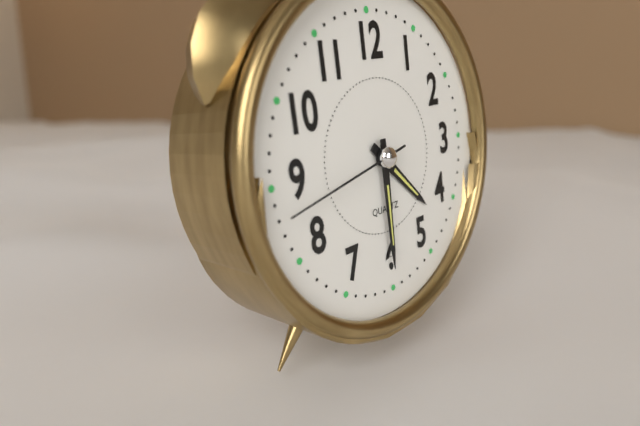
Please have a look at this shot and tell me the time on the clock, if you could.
4:30:43
